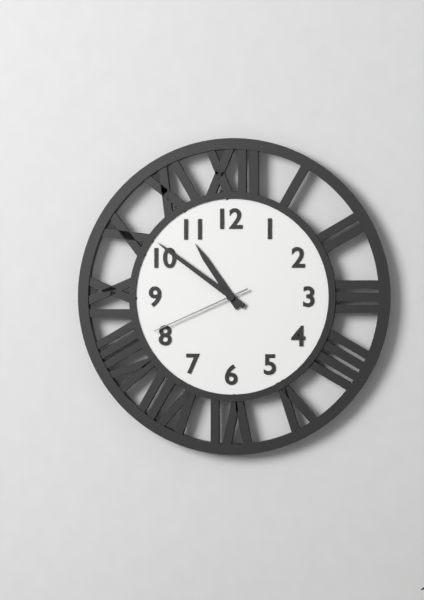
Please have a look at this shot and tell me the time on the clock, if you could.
10:51:41
